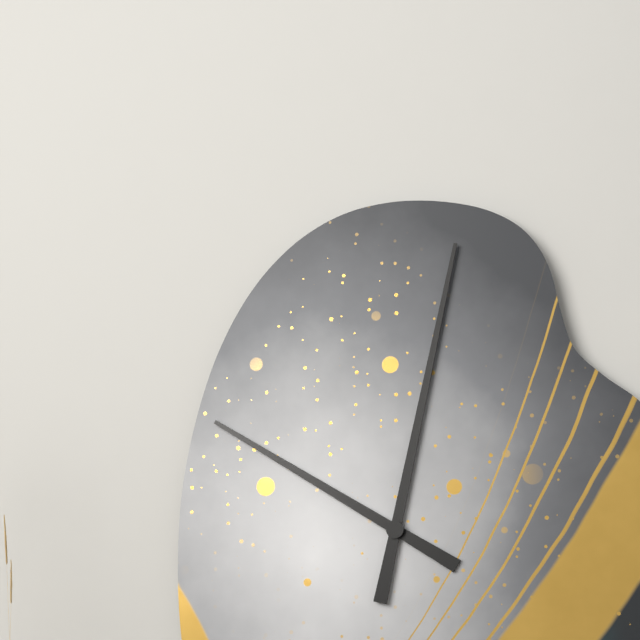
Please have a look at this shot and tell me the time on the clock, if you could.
10:02
